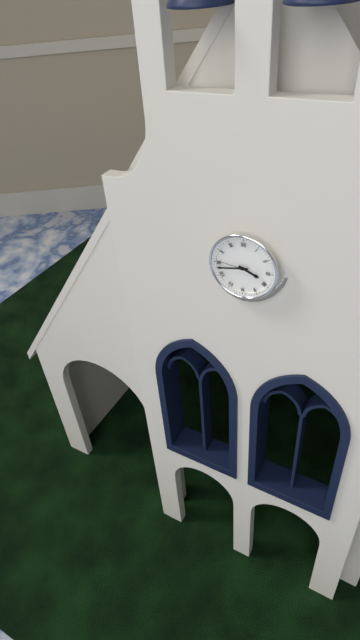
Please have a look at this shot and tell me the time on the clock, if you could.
3:43
